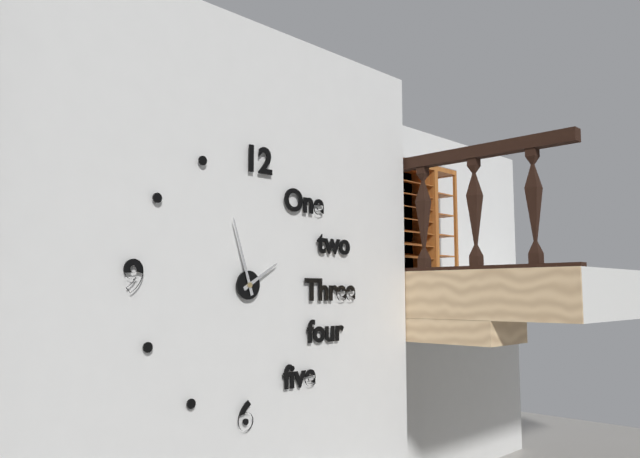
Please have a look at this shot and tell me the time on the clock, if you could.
1:57
